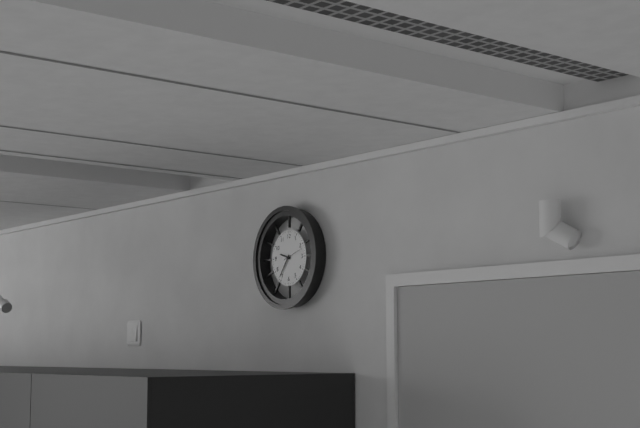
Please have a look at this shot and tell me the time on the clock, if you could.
9:36
